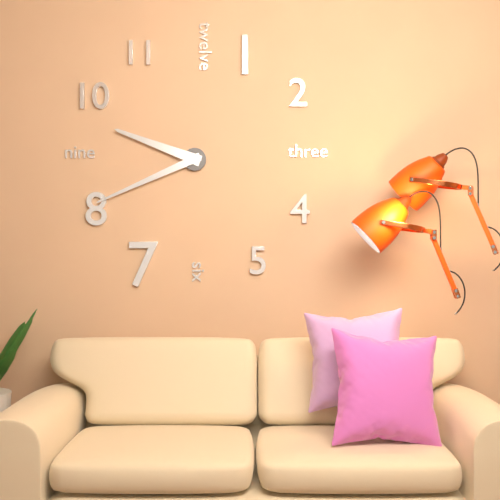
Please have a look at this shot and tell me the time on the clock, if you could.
9:41
